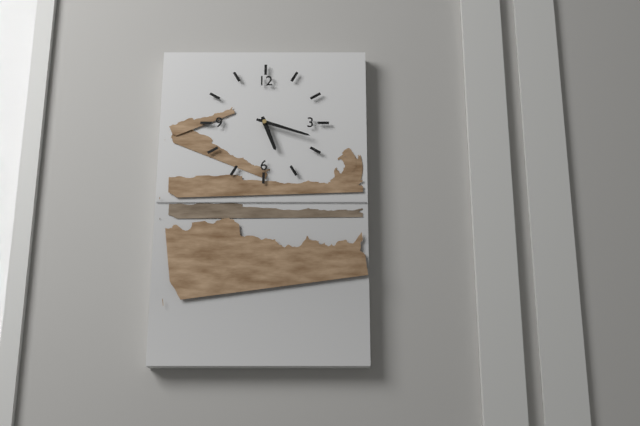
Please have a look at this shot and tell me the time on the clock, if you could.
5:18
